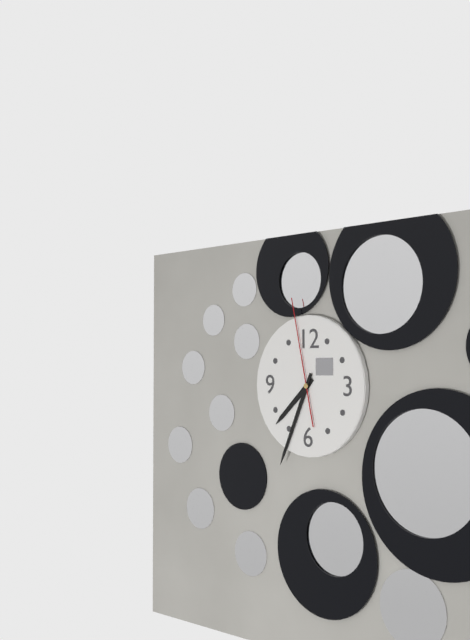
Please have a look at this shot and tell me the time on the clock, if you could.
7:34:58
